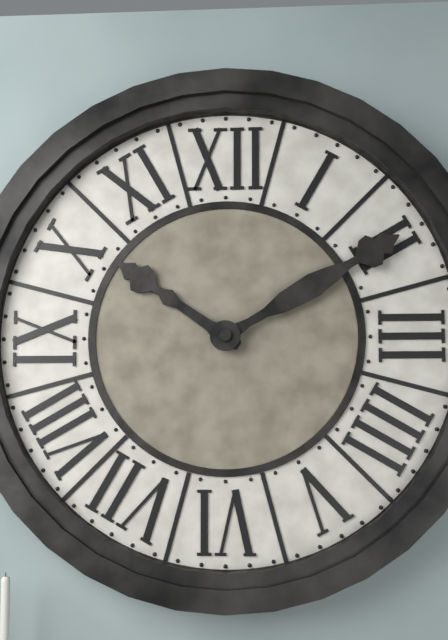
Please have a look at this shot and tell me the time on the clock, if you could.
10:10
